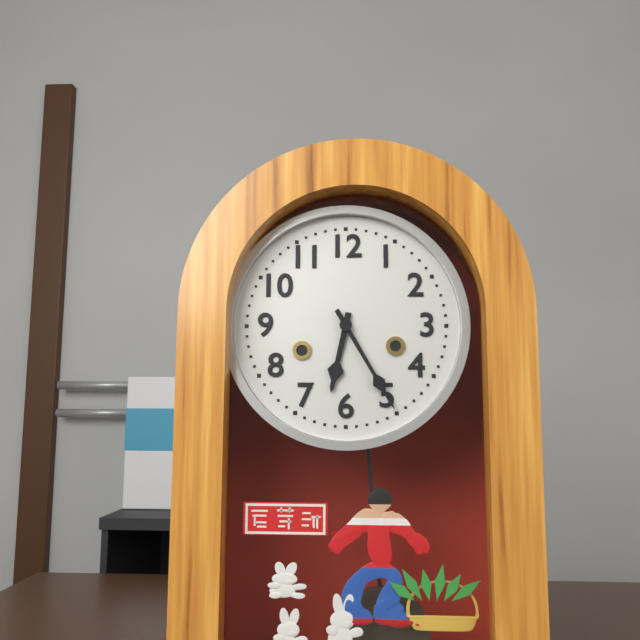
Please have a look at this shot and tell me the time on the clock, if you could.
6:25
